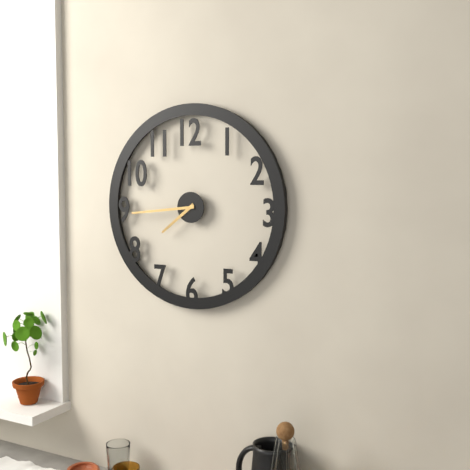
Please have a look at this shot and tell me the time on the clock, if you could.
7:44
